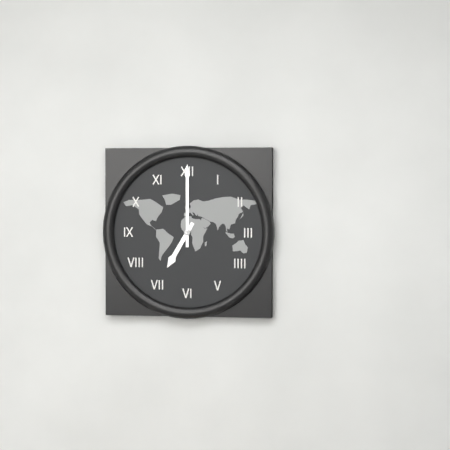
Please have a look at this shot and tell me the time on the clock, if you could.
7:00
